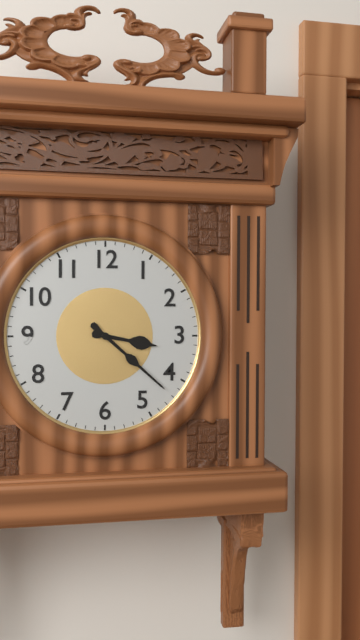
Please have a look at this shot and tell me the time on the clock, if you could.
3:22
